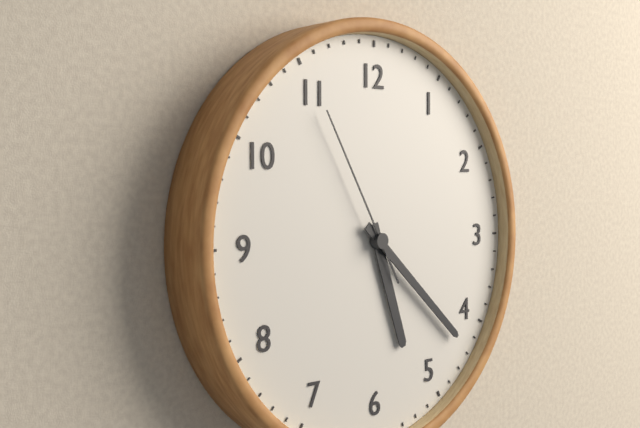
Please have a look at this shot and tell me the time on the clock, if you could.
5:22:55
